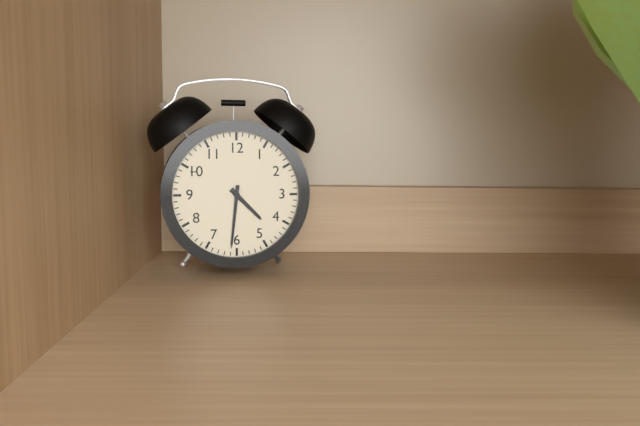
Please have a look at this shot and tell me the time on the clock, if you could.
4:31
